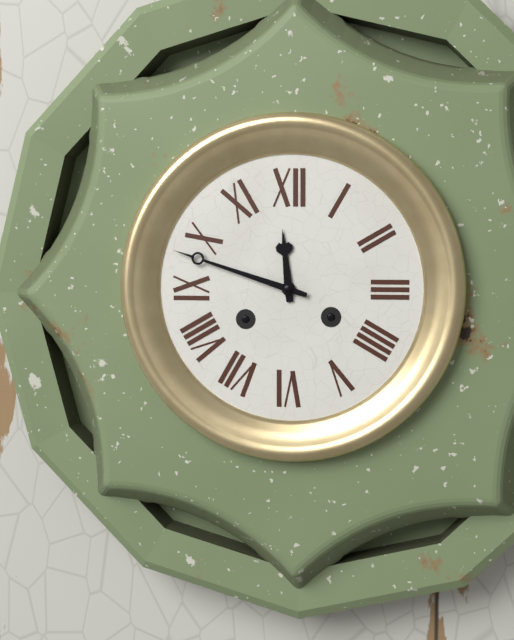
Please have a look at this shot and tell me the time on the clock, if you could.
11:48
